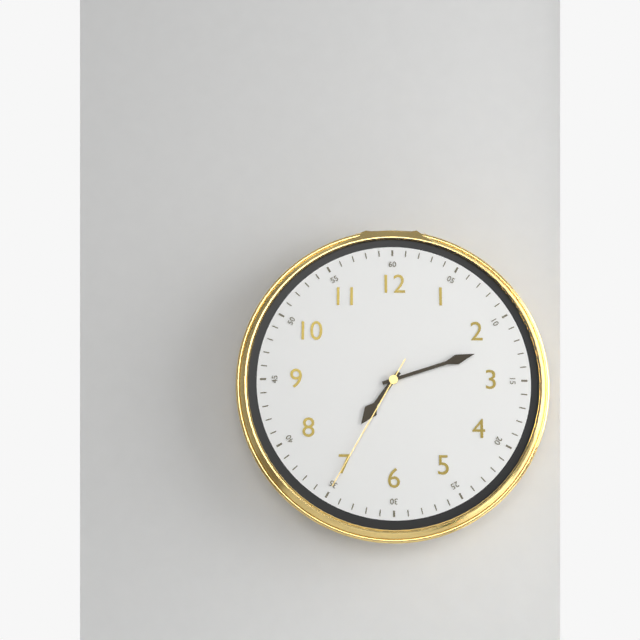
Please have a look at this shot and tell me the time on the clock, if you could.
7:12:35
